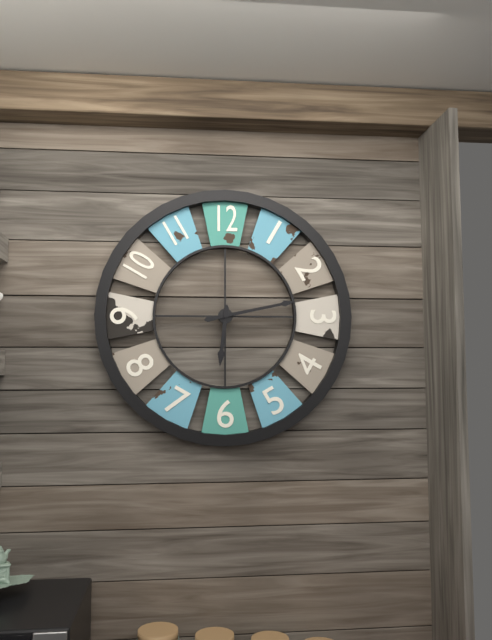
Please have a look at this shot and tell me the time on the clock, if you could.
6:13
